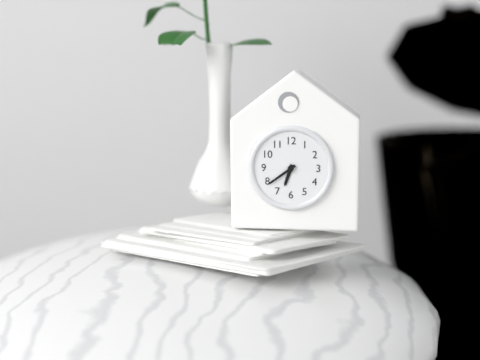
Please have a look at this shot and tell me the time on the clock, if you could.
6:39
